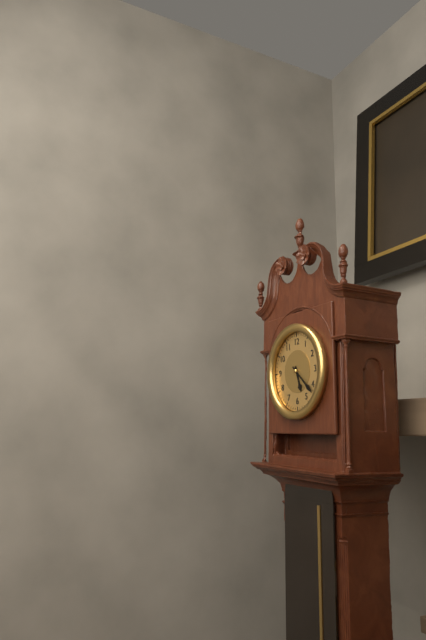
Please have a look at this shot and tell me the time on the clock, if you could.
5:22
